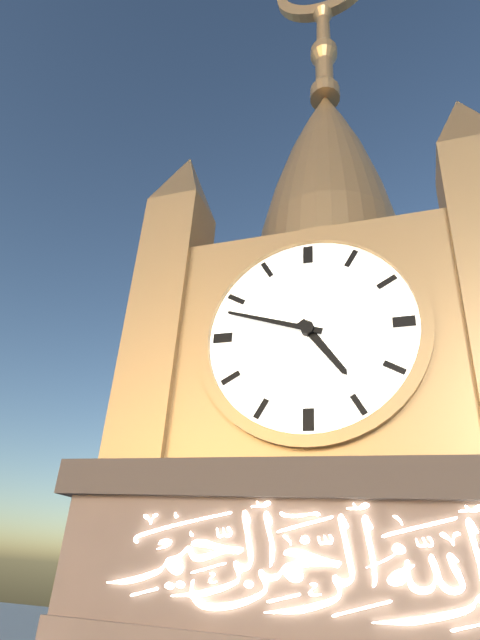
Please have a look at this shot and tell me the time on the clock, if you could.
4:48
